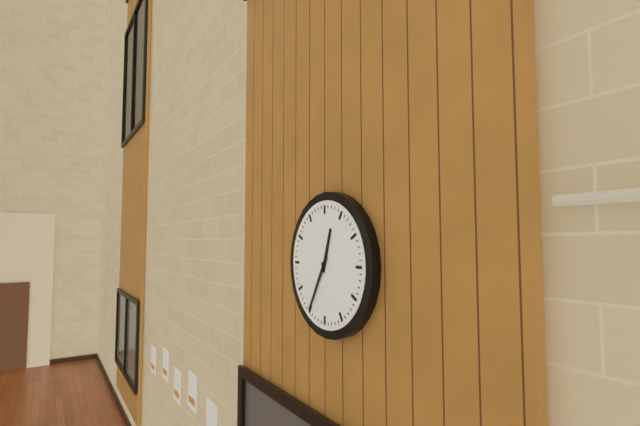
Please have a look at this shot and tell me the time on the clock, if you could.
12:35
